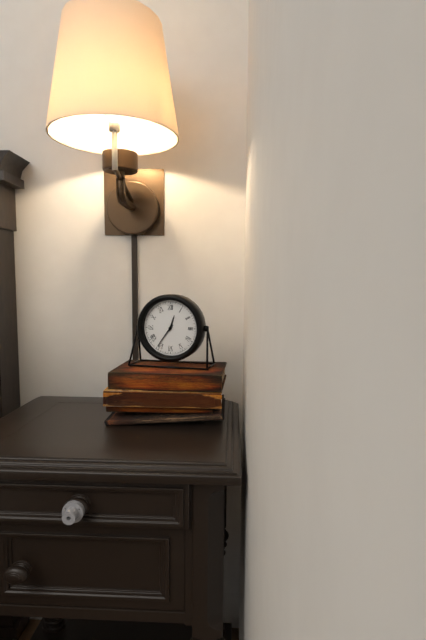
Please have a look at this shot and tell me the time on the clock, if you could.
12:36
